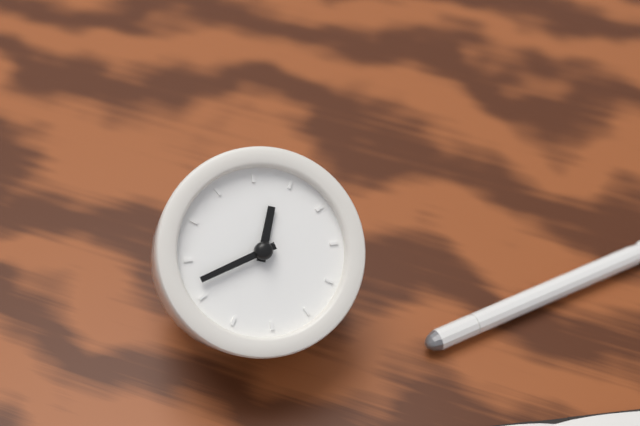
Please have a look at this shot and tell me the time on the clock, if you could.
11:37
